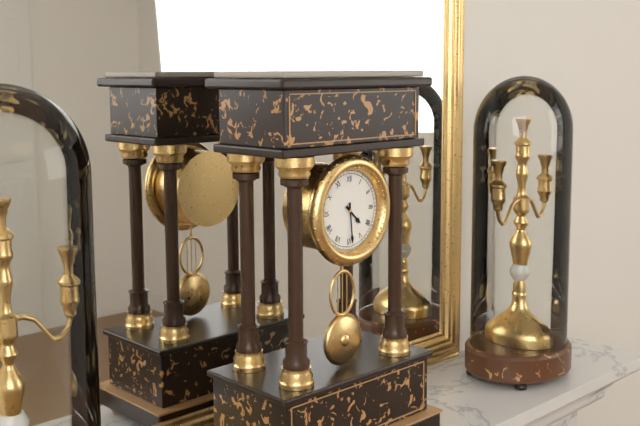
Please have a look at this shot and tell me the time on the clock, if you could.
4:29
